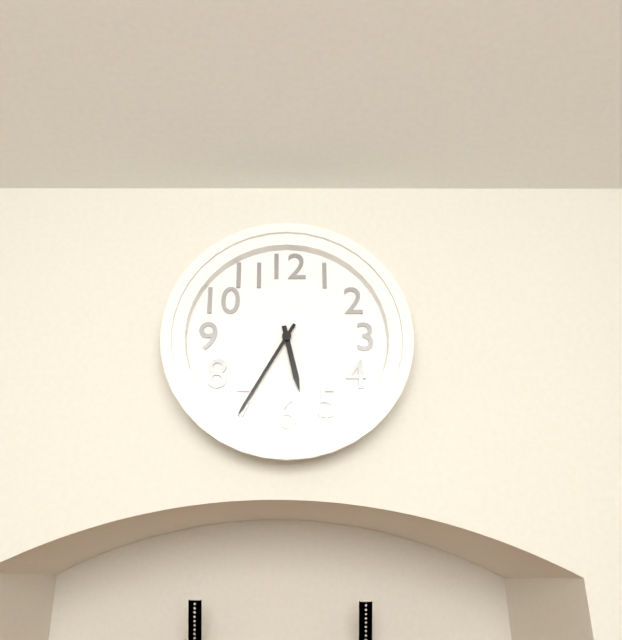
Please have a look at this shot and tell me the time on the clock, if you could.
5:35
